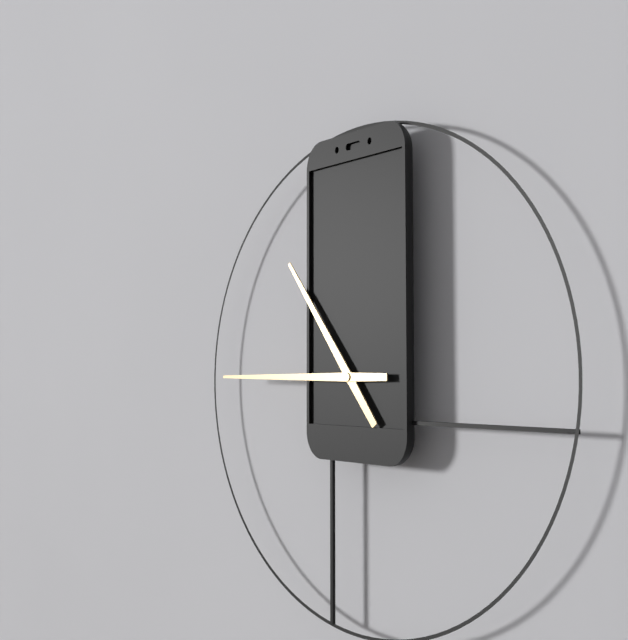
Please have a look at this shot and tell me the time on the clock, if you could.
10:45
